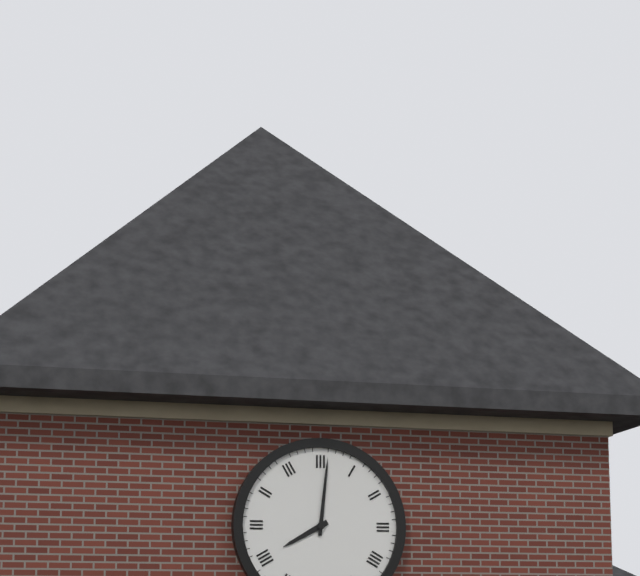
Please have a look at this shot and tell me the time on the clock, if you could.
8:01
